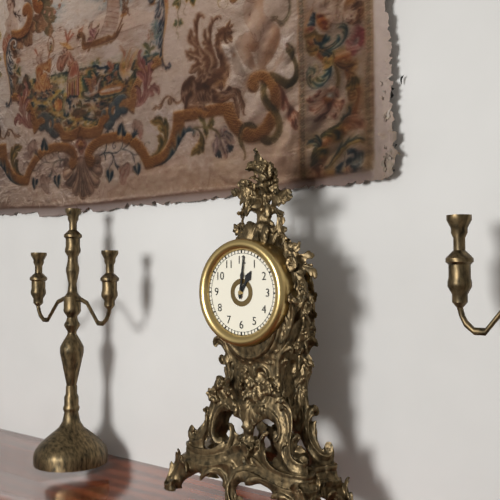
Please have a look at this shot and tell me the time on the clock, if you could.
1:01
